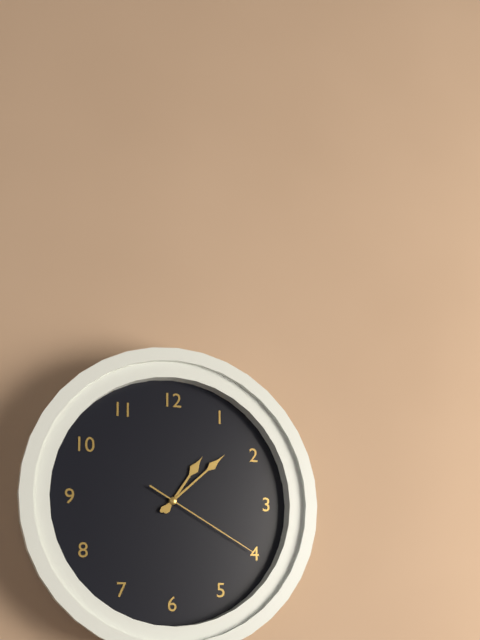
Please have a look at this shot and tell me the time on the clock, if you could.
1:08:20
